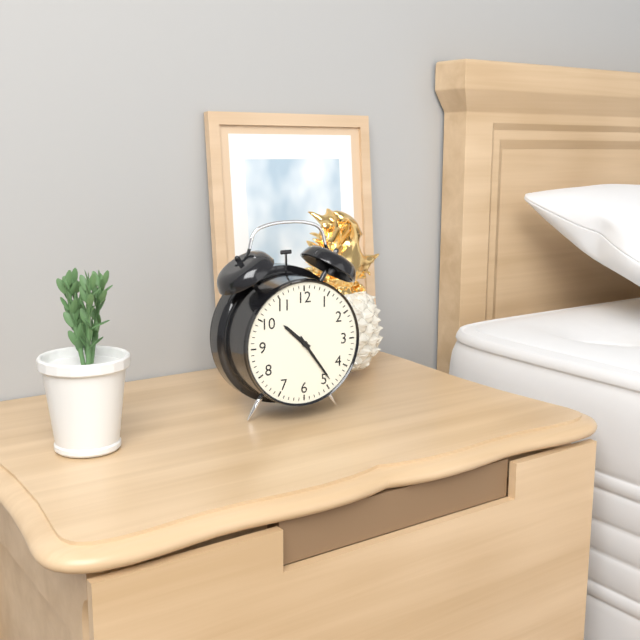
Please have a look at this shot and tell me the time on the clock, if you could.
10:24
